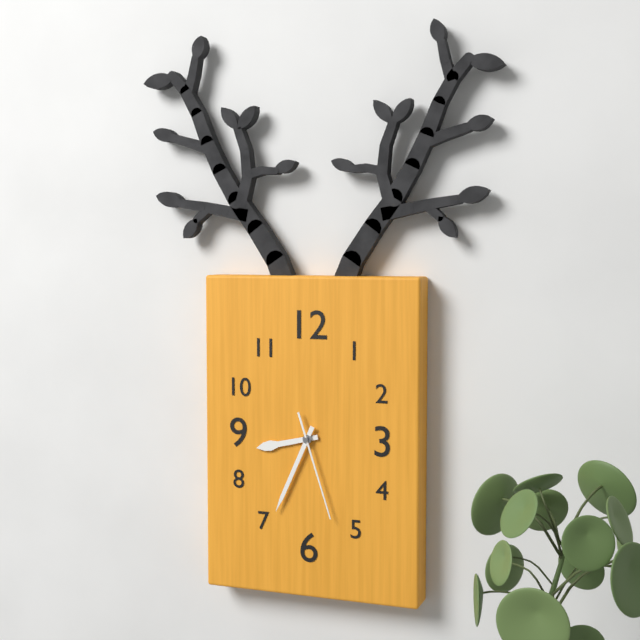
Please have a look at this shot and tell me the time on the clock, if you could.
8:34:27
